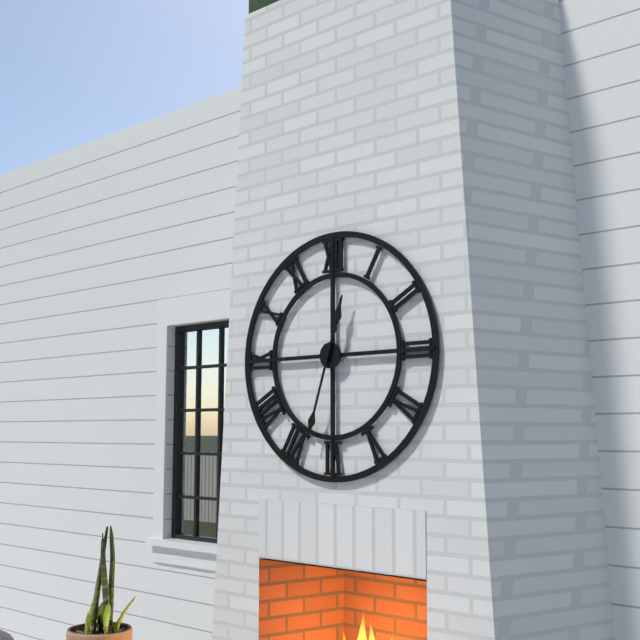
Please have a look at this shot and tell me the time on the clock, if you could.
12:33
